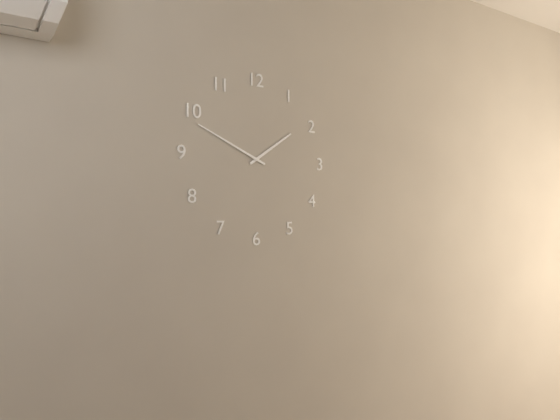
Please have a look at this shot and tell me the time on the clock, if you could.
1:49
